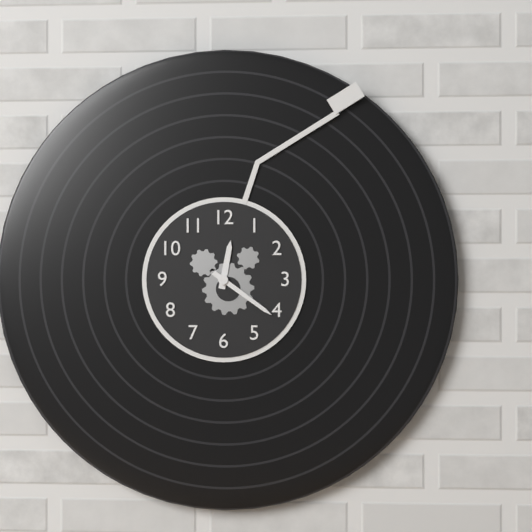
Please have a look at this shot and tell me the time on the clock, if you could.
12:21
